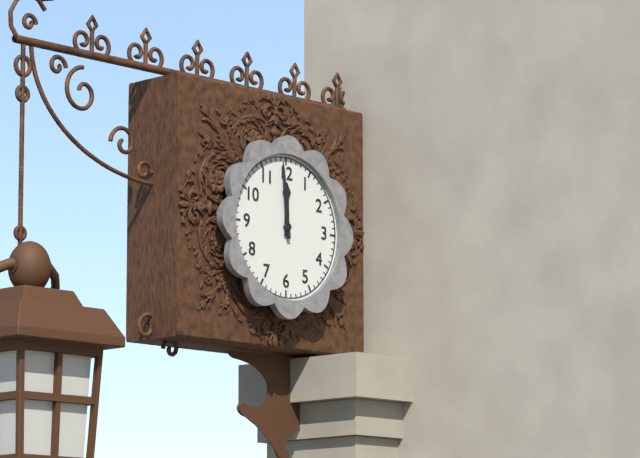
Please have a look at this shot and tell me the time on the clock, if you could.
11:59
